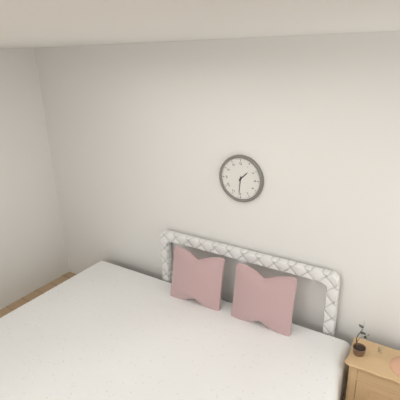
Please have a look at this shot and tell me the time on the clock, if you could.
1:31
